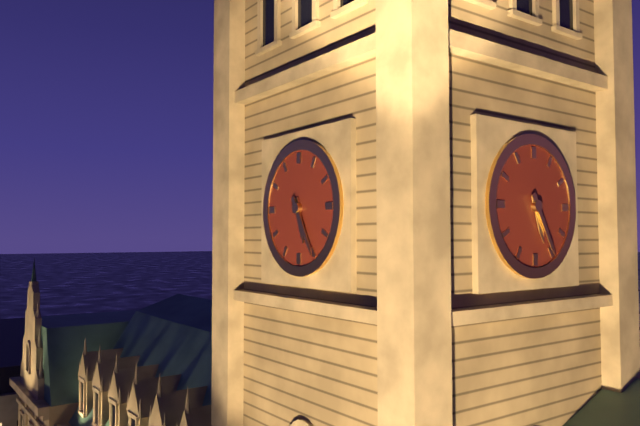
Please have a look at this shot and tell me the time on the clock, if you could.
5:25
